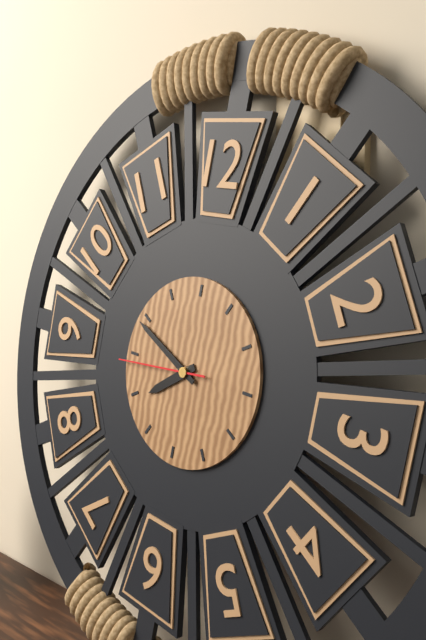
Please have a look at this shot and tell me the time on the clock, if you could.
7:49:44
